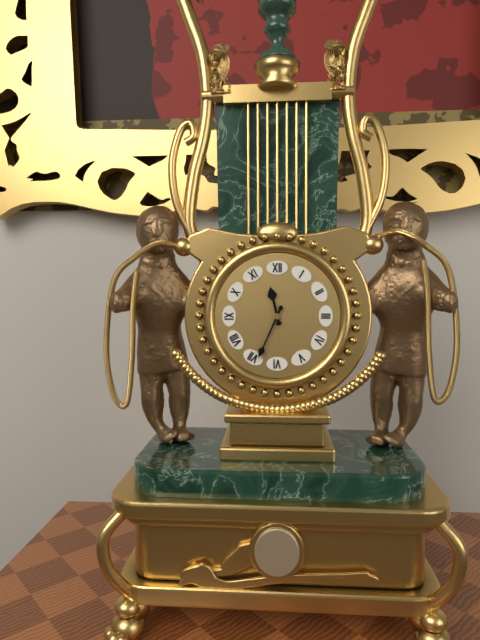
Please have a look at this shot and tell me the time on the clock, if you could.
11:34
